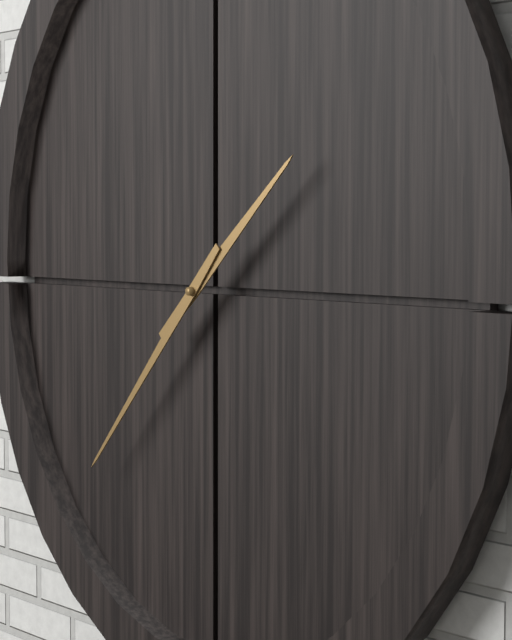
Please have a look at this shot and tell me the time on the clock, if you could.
1:37
